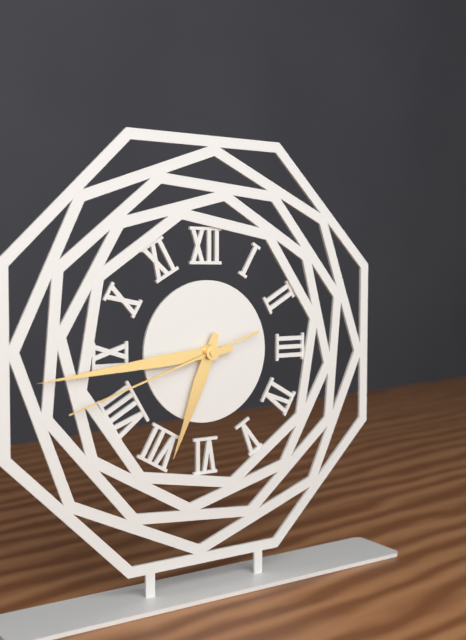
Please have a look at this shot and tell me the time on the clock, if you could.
6:44:42
